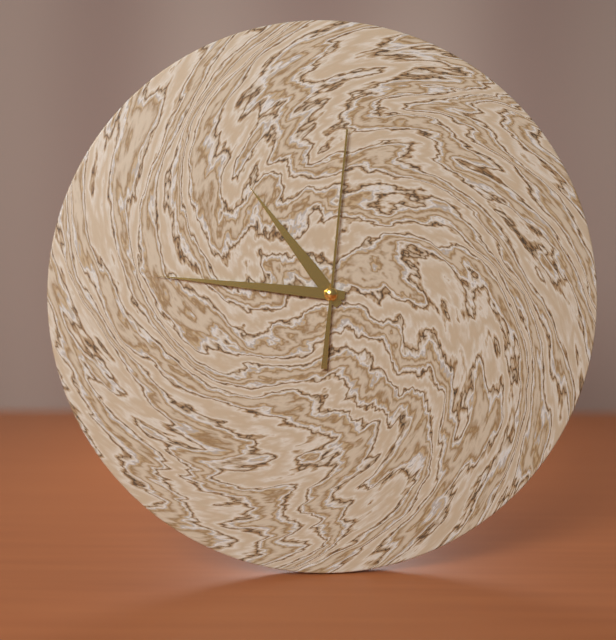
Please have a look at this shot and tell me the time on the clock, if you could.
10:46:01
